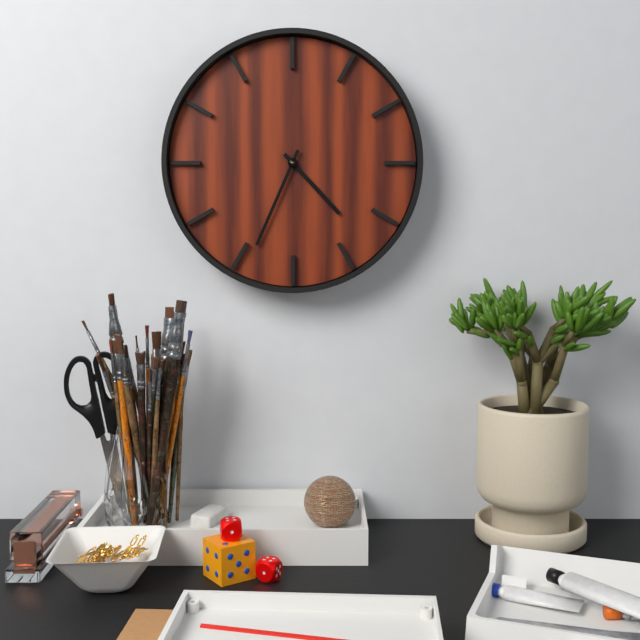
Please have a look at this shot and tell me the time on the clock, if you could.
4:34
